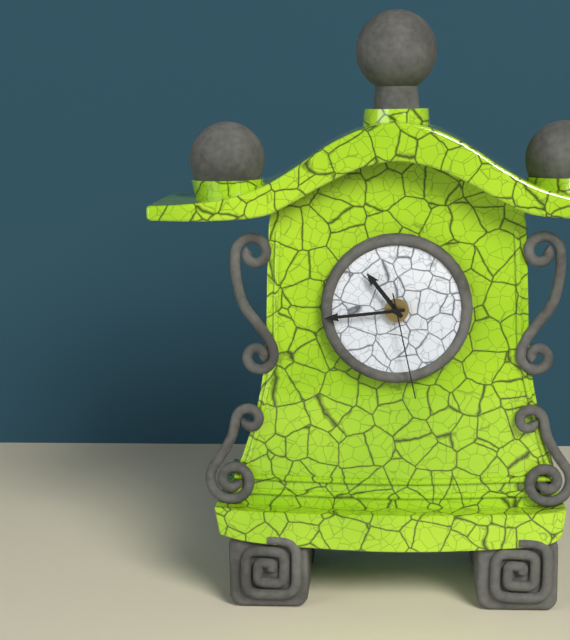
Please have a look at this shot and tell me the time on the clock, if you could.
10:44:28
